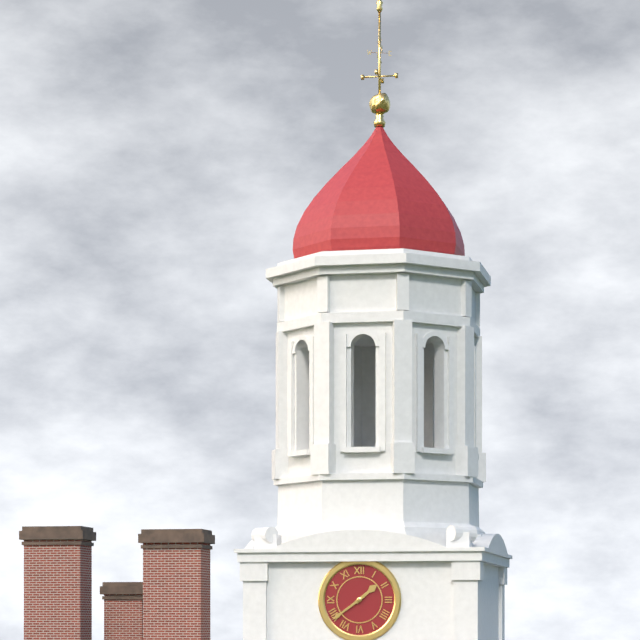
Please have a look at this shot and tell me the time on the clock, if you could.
1:39
